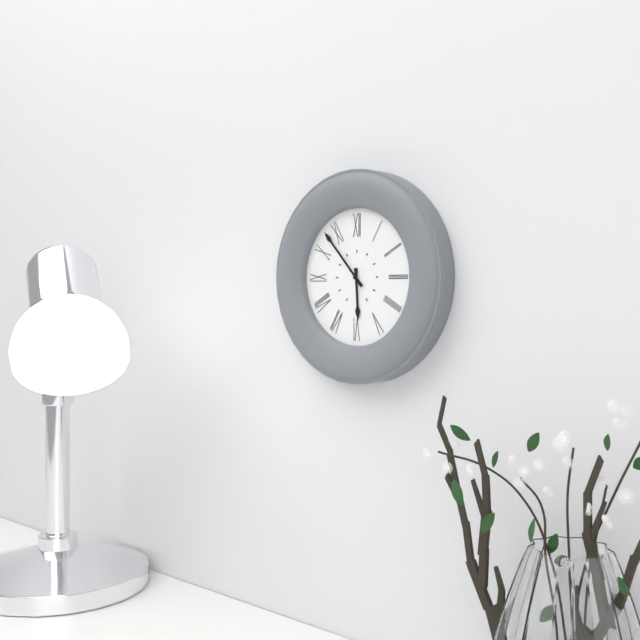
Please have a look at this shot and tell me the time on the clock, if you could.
5:53
